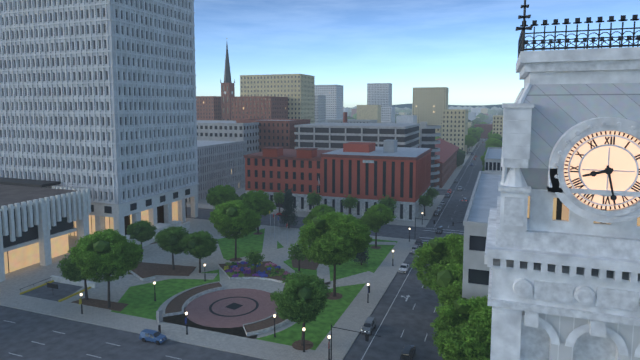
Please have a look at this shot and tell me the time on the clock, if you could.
8:28
